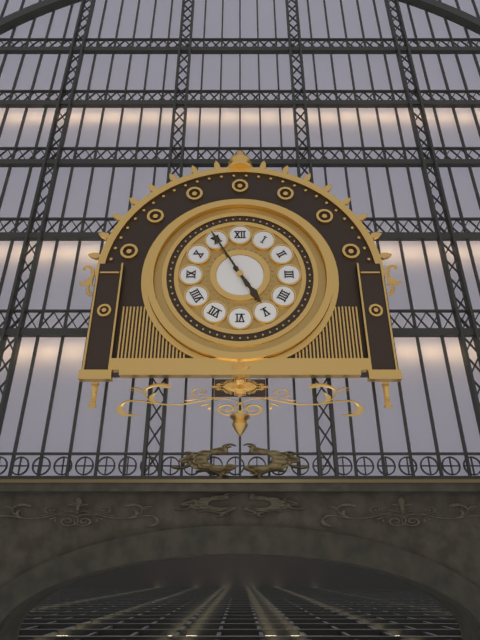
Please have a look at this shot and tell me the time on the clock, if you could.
4:55
